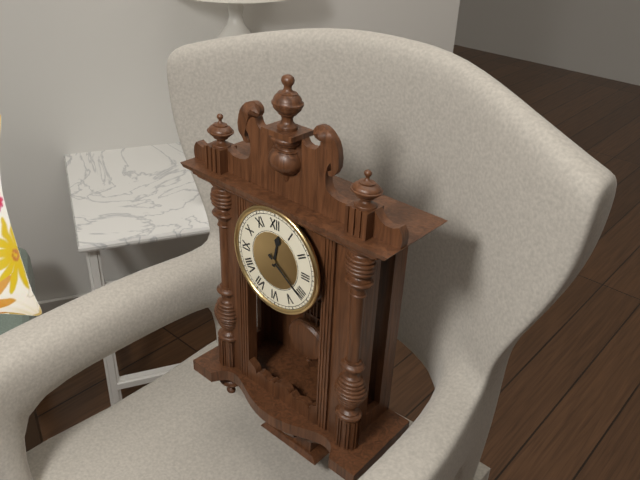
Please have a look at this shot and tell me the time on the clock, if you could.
12:21
